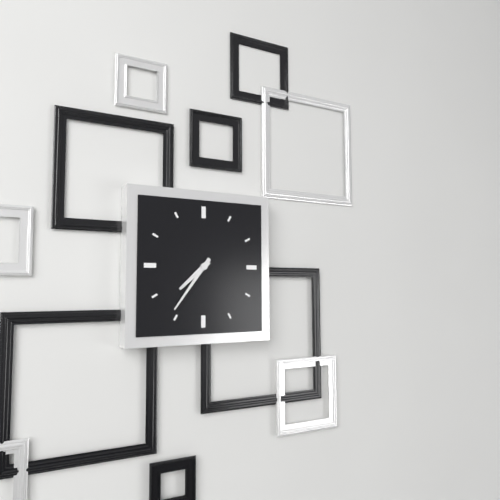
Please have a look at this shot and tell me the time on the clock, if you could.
7:36
